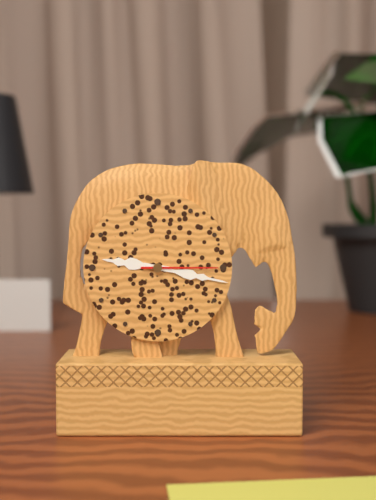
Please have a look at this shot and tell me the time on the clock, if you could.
9:17:15
